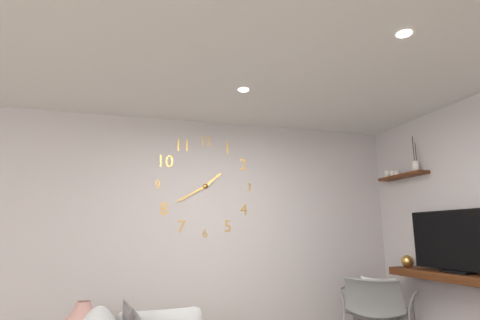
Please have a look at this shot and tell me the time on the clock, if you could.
1:40
